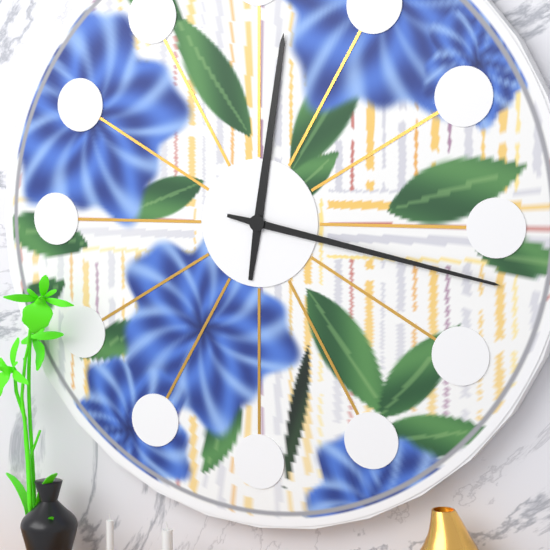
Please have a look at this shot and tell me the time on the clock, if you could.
12:17
